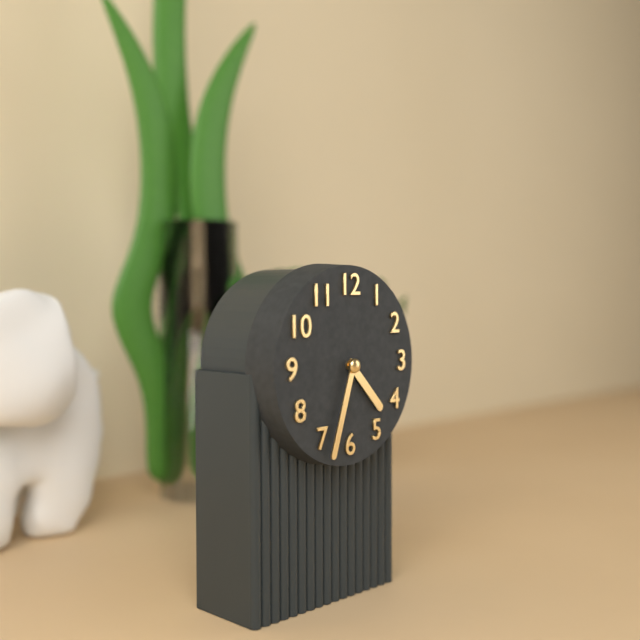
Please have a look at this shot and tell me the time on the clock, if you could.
4:33
